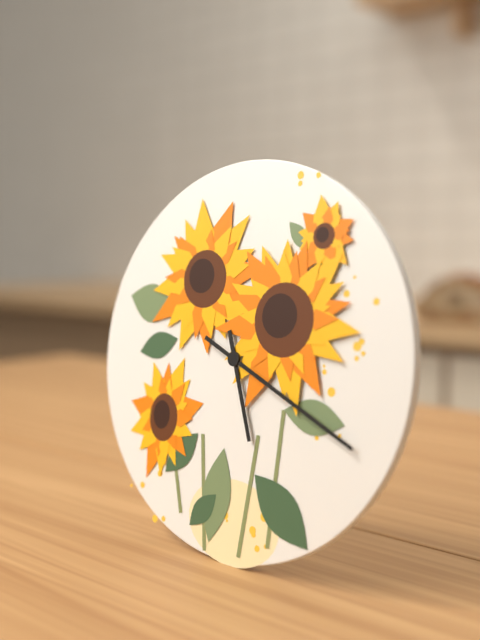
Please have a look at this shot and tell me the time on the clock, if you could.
5:19
